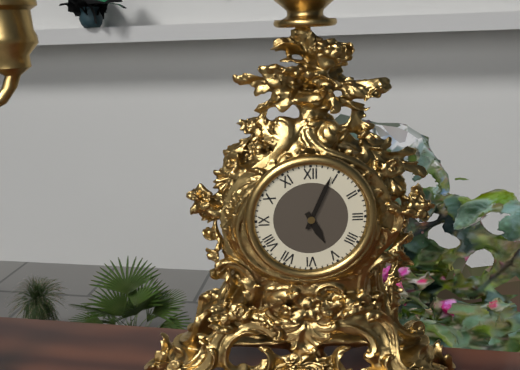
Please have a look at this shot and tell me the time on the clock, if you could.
5:04
